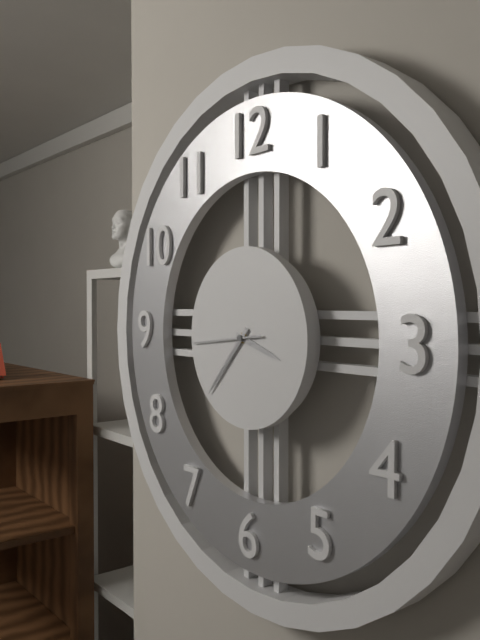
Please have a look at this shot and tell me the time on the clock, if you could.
3:37:44
